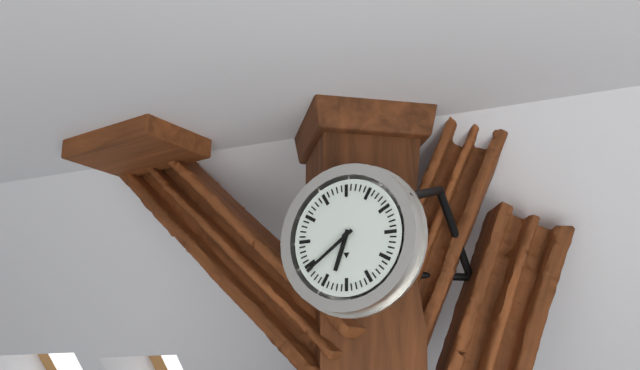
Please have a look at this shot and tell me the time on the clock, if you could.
6:39
